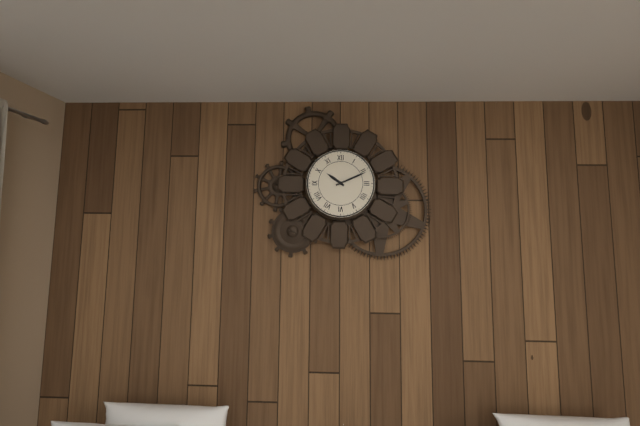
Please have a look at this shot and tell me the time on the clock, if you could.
10:11
